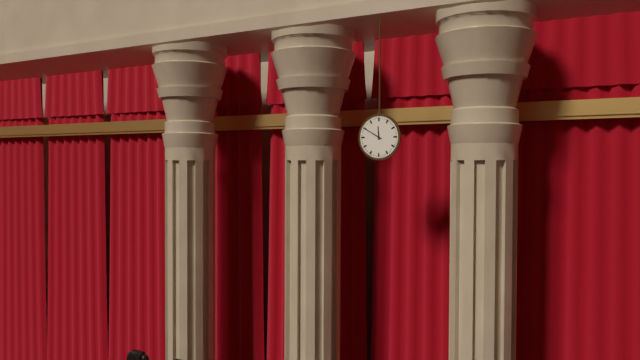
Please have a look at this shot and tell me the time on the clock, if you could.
11:50
